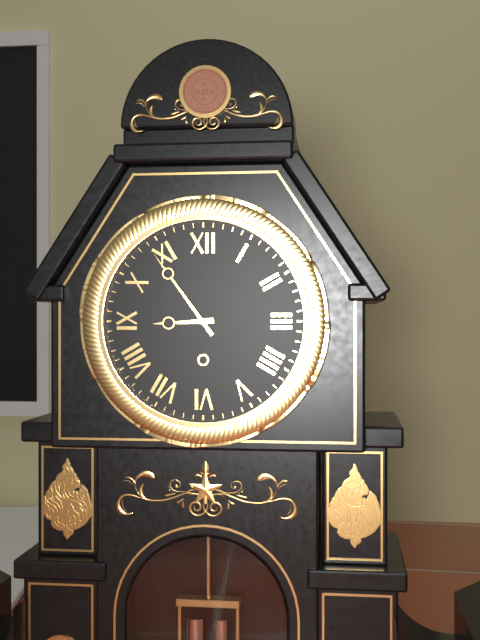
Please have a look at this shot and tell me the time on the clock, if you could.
8:54
